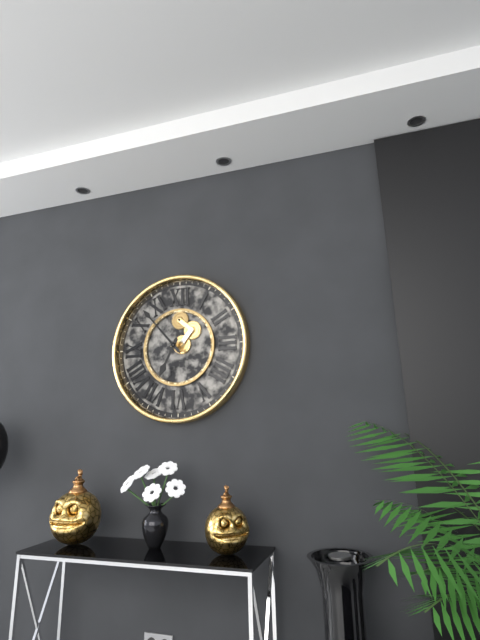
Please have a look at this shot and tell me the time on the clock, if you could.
6:53
